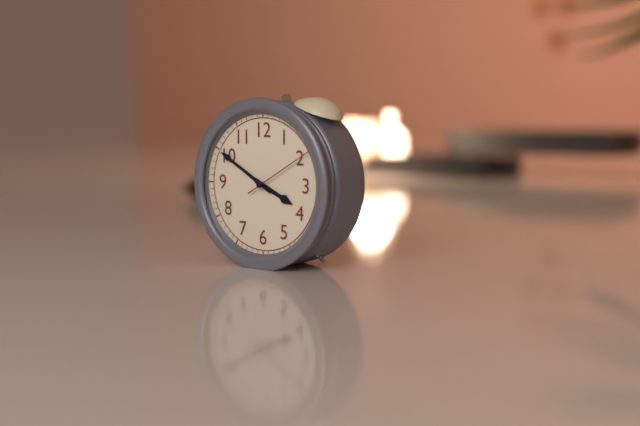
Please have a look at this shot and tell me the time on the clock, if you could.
3:50:10
